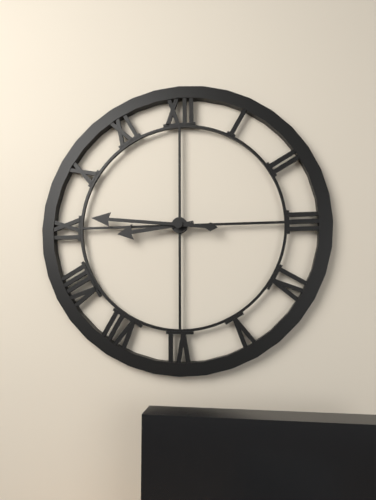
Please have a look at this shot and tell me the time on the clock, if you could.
8:46
